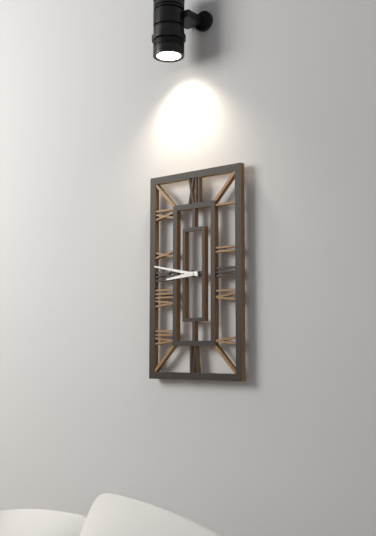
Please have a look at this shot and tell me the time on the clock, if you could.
8:47
